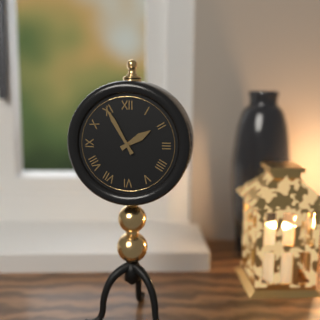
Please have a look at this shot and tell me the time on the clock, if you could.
1:55
